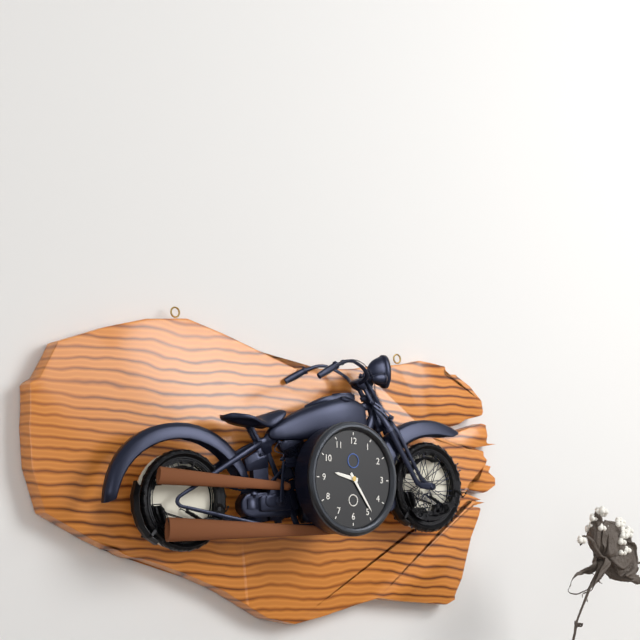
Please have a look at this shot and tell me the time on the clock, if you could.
9:24
